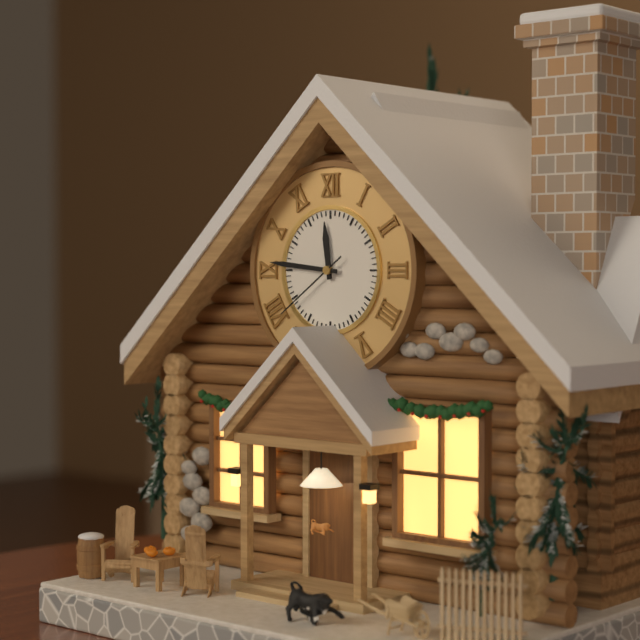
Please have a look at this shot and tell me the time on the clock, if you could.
11:46:39
